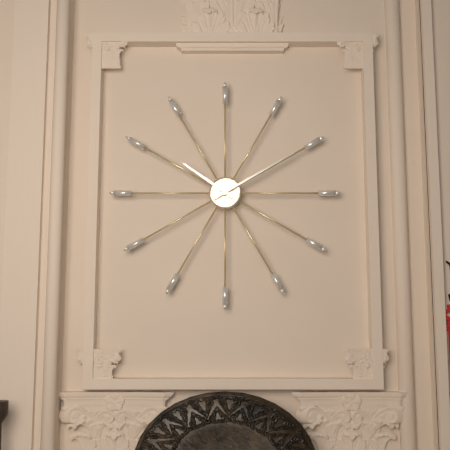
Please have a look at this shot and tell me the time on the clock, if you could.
10:10
